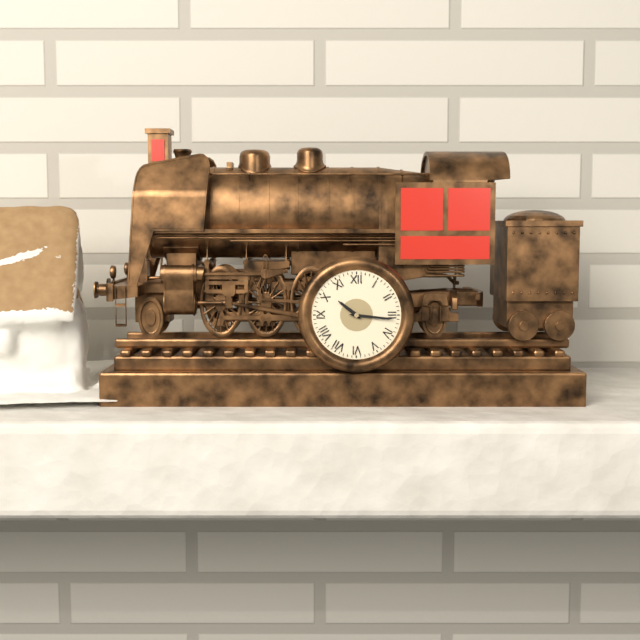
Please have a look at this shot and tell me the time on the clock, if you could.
10:16
